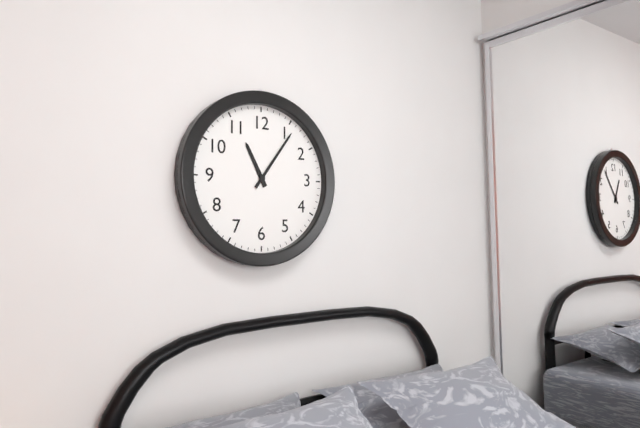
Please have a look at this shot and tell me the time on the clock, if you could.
11:06
